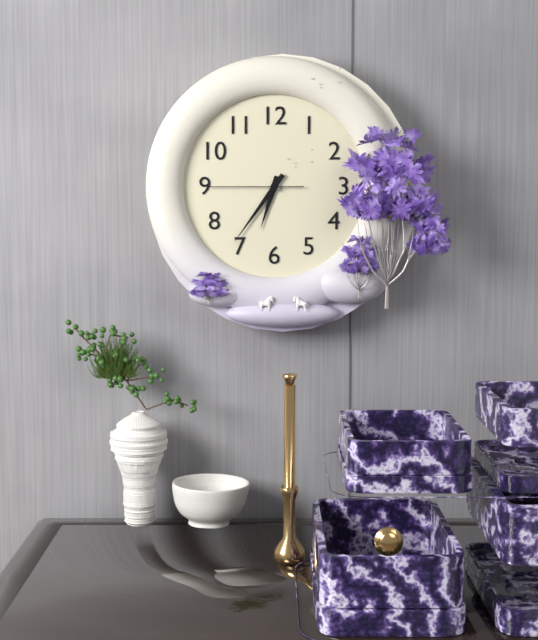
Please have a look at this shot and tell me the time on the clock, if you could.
6:36:45
